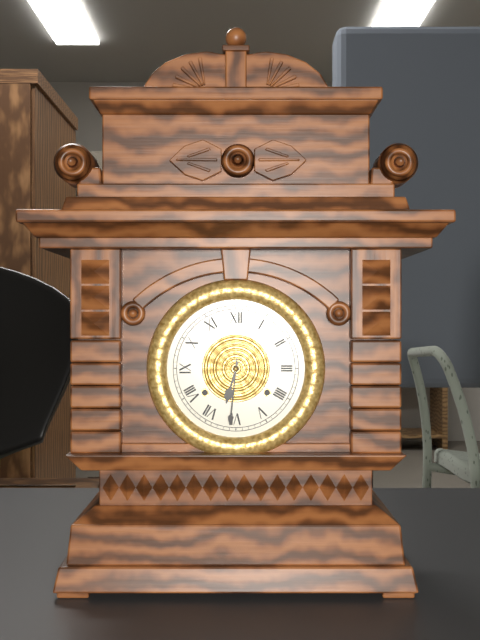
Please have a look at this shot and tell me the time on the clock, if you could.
6:31
